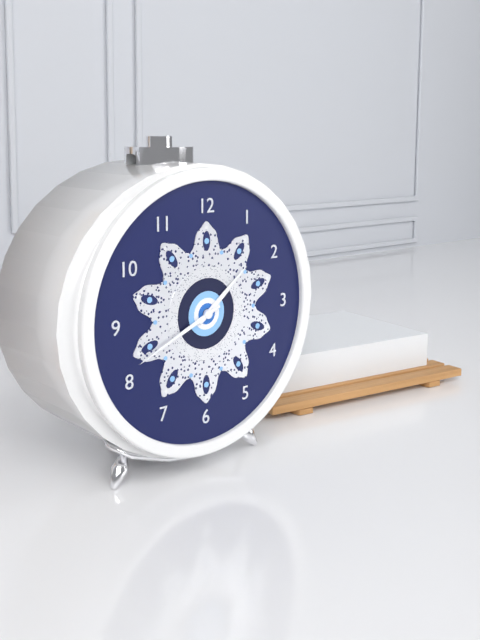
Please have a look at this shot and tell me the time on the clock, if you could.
1:41
